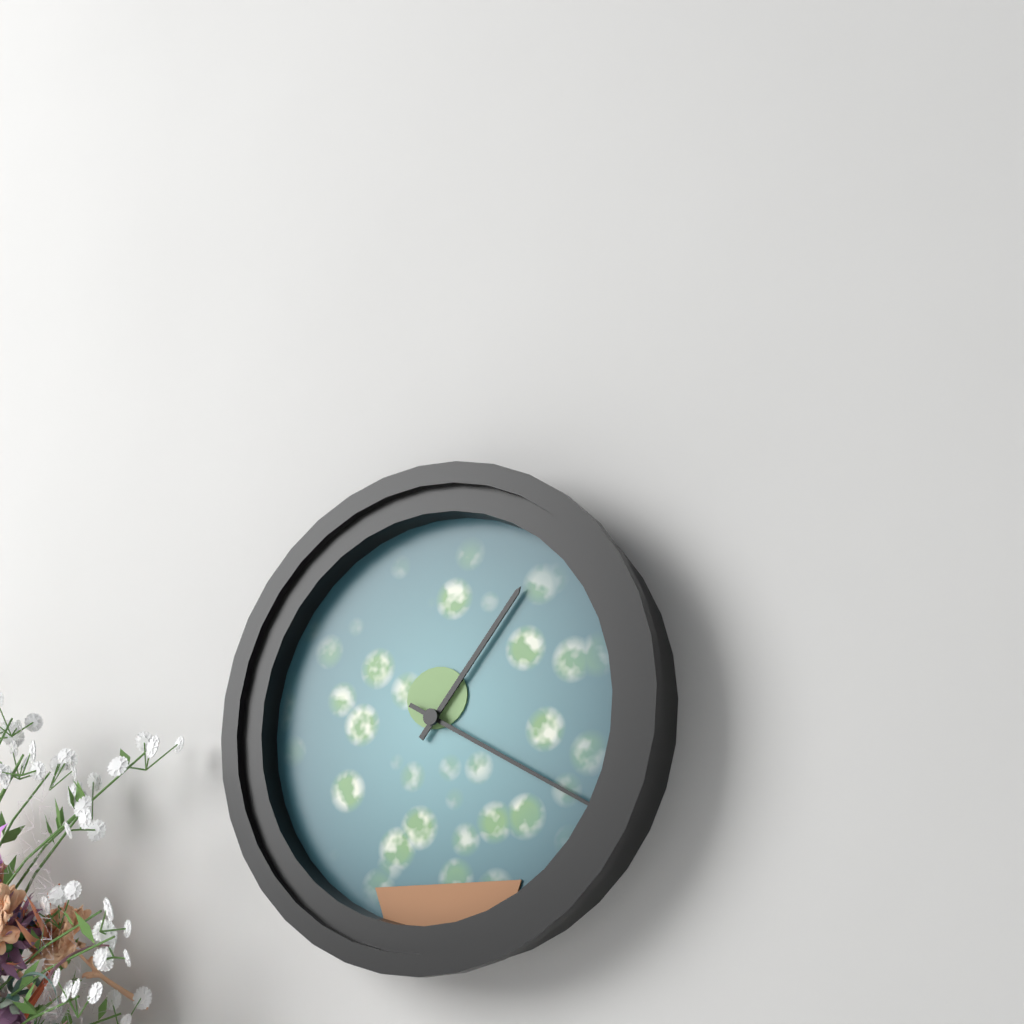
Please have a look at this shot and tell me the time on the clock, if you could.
1:20
